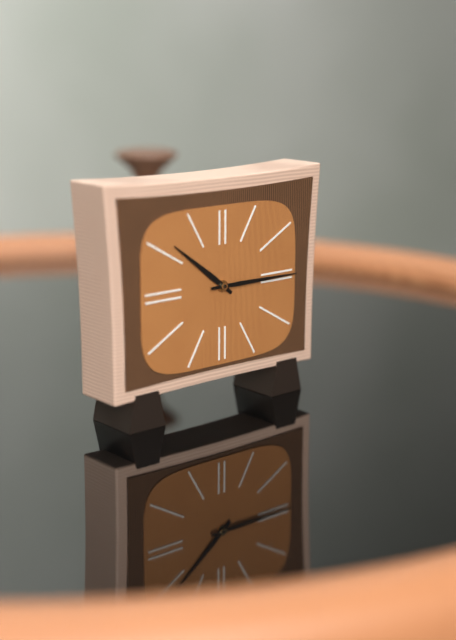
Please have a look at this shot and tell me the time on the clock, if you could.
10:15
